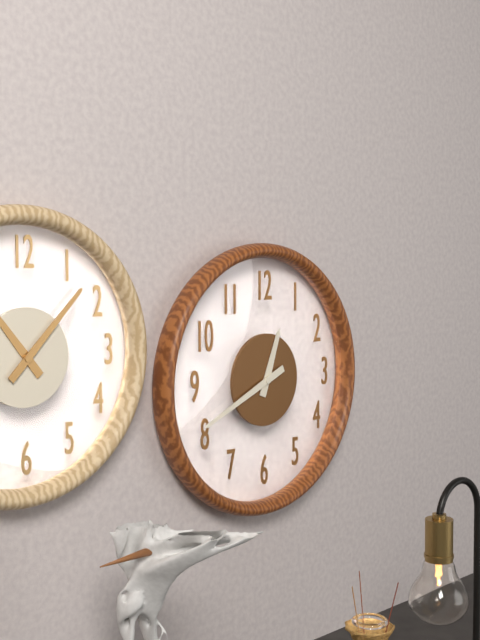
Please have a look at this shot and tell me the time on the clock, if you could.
12:41
